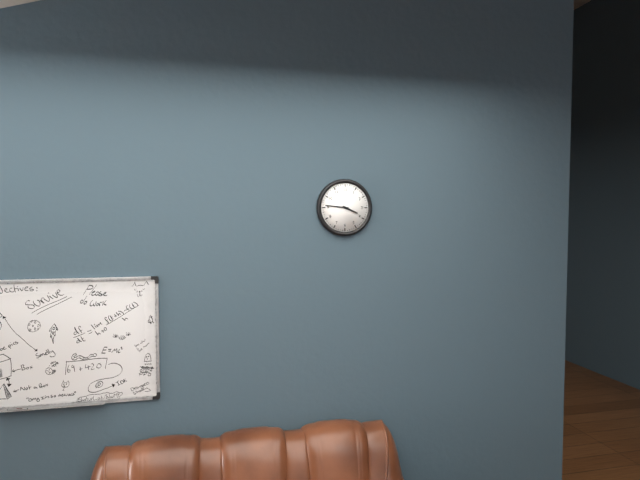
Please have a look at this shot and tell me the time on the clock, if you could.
3:46
